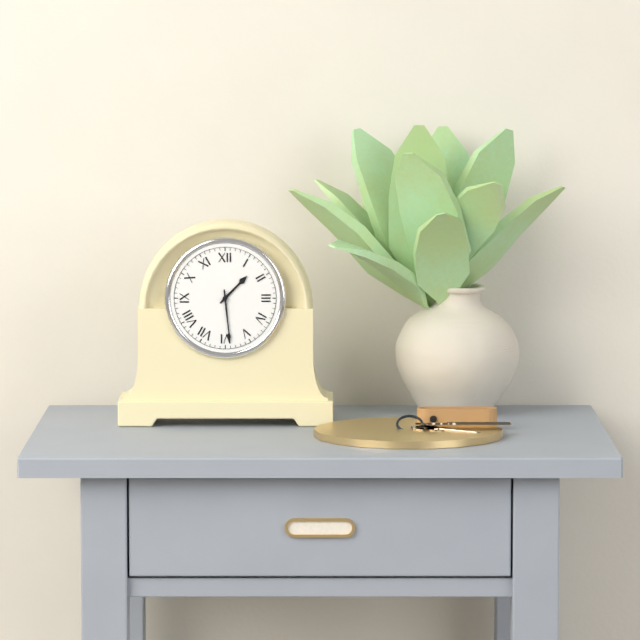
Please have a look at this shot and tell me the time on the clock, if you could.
1:29
